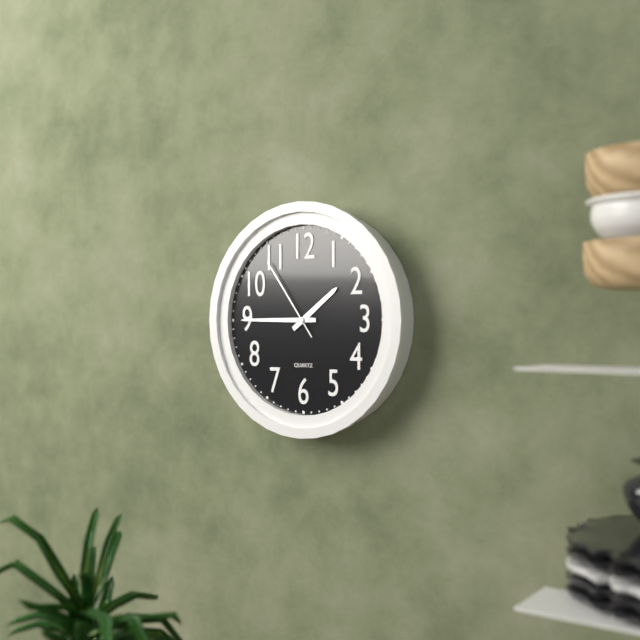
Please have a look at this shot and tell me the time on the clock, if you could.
1:45:54
